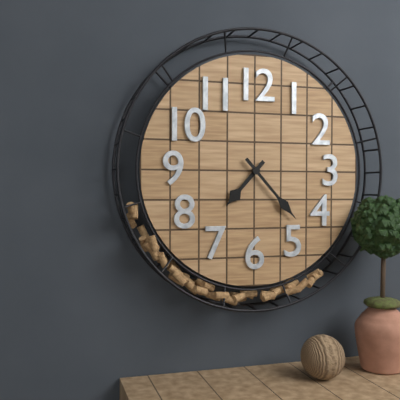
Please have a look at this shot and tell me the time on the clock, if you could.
7:23
